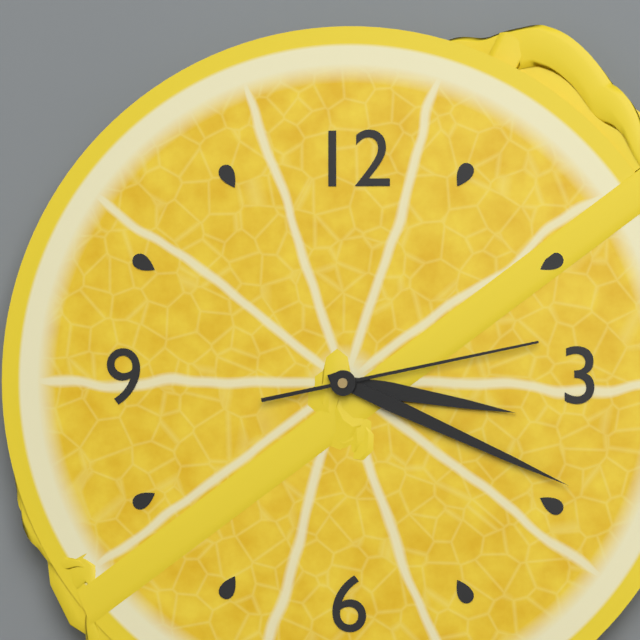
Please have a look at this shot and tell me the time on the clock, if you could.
3:19:13
